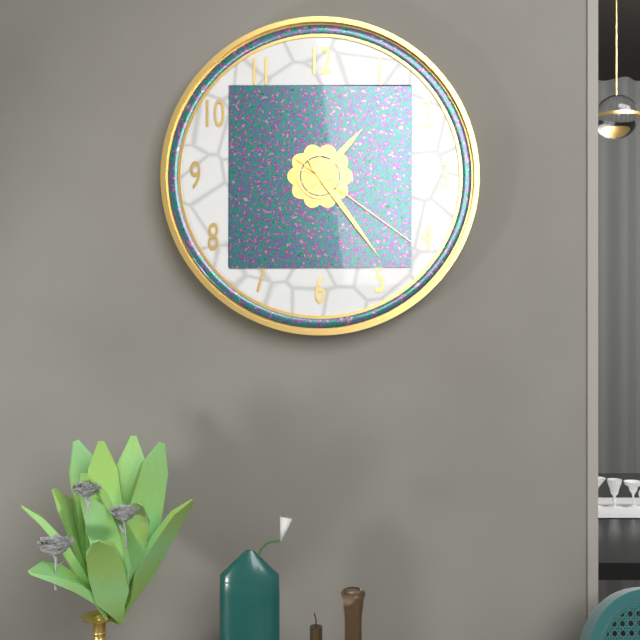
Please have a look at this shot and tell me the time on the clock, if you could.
1:24:21
